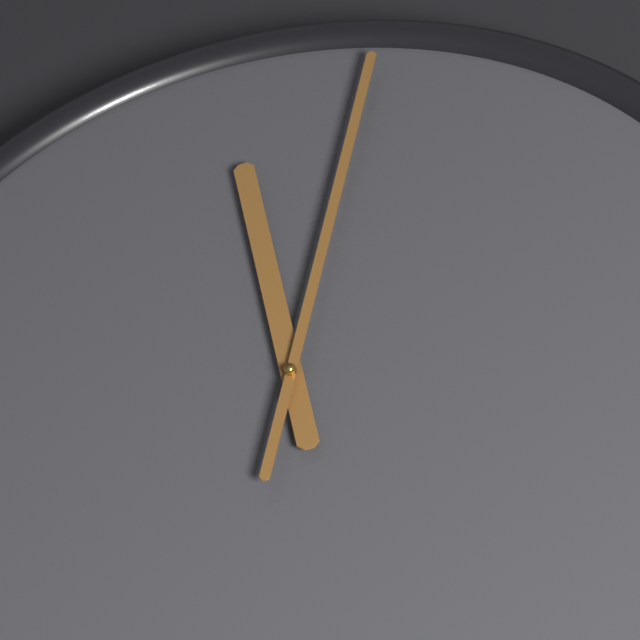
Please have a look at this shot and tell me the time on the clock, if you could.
12:04
